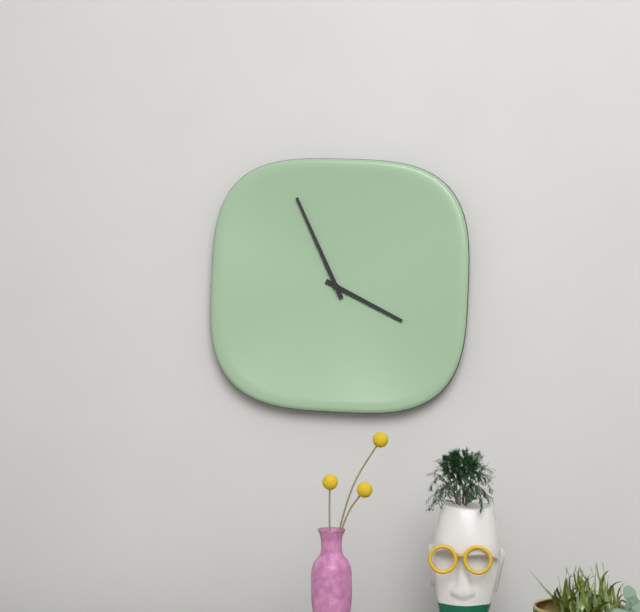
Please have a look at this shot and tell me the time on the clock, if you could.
3:56
